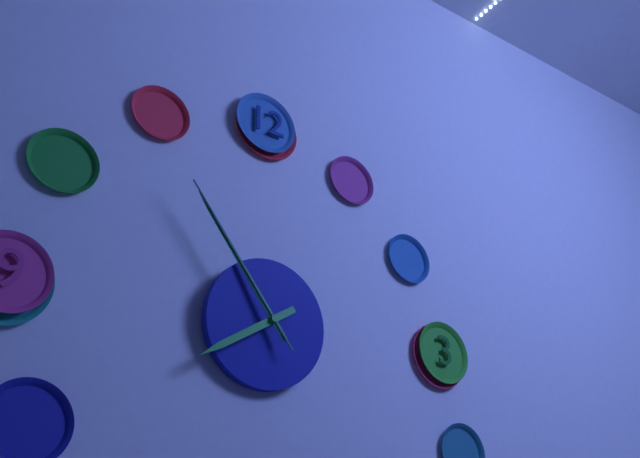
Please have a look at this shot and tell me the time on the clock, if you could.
7:54:54
